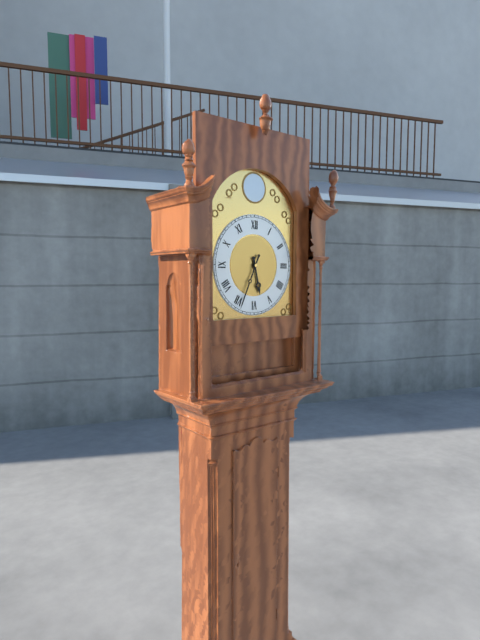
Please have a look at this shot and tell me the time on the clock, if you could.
5:34
